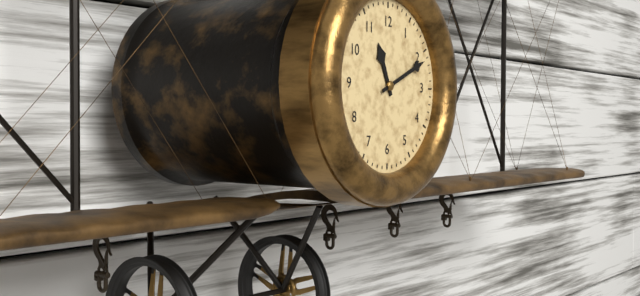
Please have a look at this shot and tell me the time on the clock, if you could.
11:11
